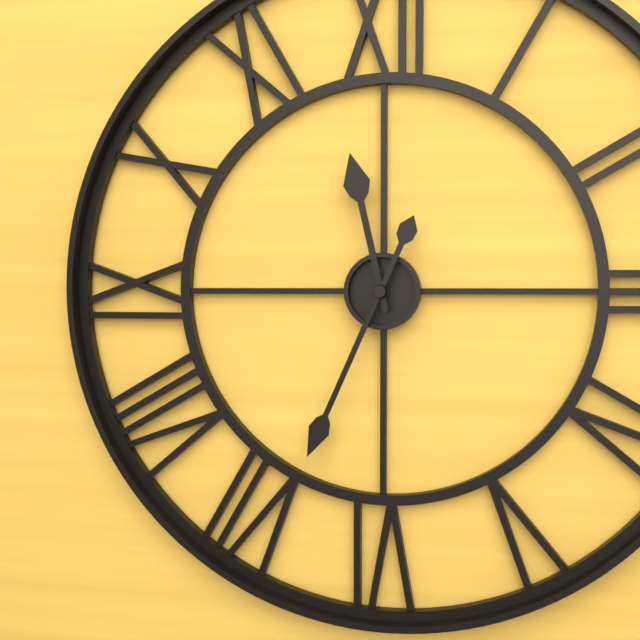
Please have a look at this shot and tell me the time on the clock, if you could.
11:34
